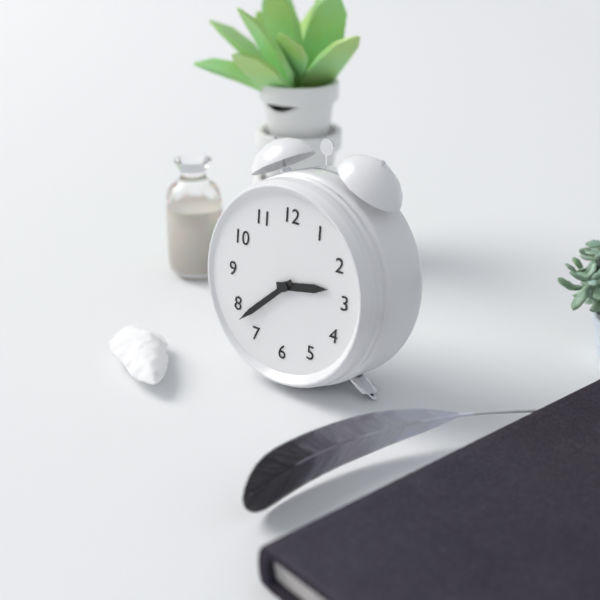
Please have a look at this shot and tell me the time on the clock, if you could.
2:38
